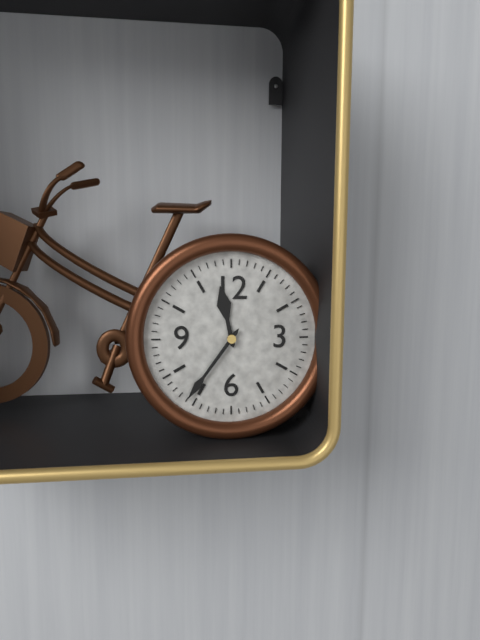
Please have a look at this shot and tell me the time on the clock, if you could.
11:36
